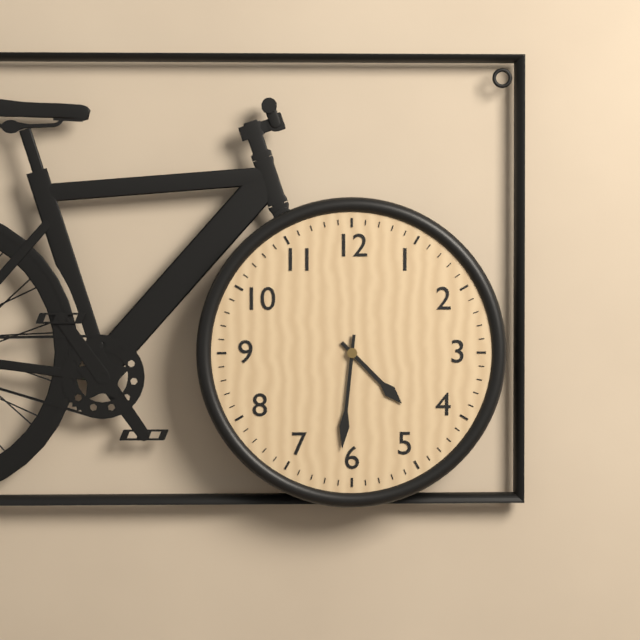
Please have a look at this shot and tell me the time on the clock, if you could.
4:31
